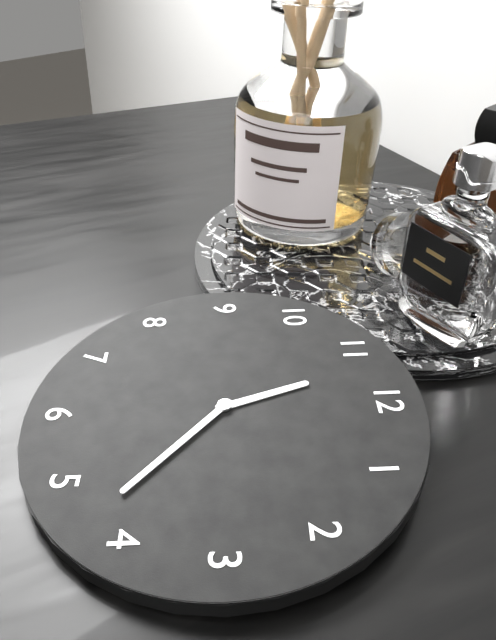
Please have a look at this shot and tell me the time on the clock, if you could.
11:22
